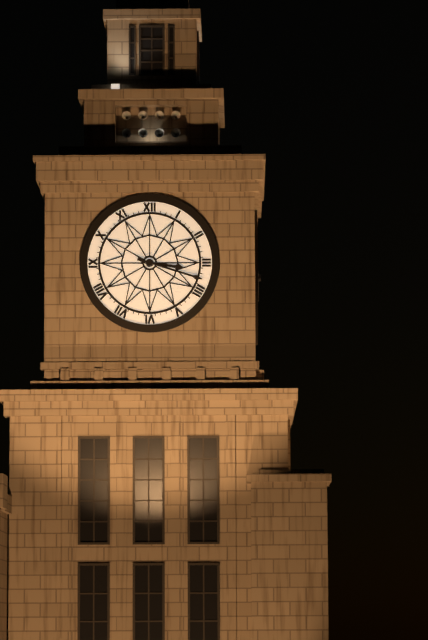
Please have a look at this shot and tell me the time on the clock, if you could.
3:18
